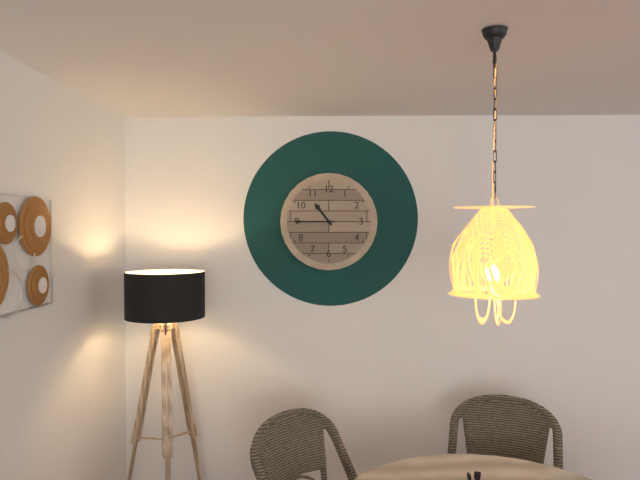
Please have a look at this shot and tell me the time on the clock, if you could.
10:45
